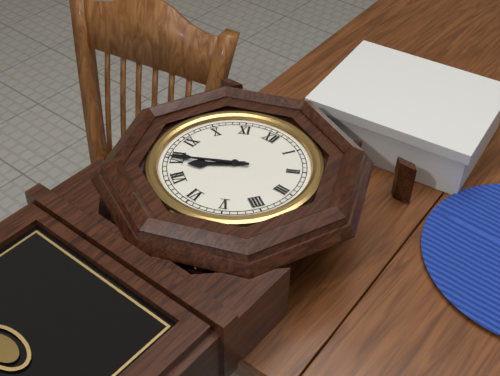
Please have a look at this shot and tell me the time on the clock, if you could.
7:40
